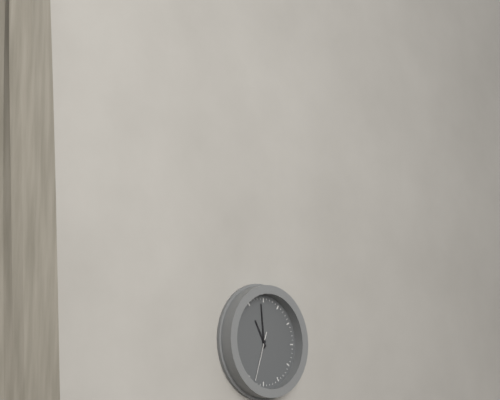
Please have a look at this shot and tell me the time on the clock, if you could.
10:59:33
